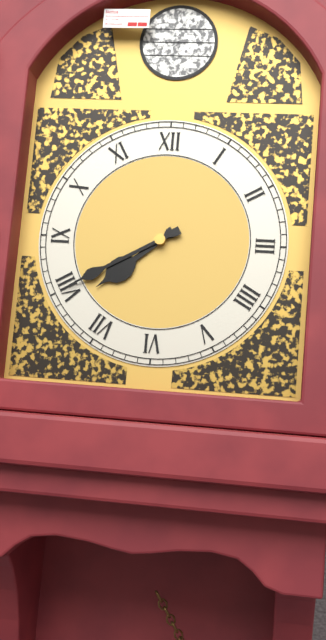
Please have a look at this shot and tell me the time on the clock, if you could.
7:40
